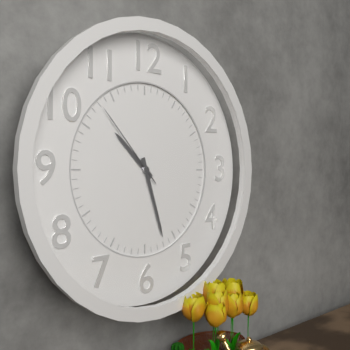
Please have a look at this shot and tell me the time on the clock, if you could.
10:27:53
